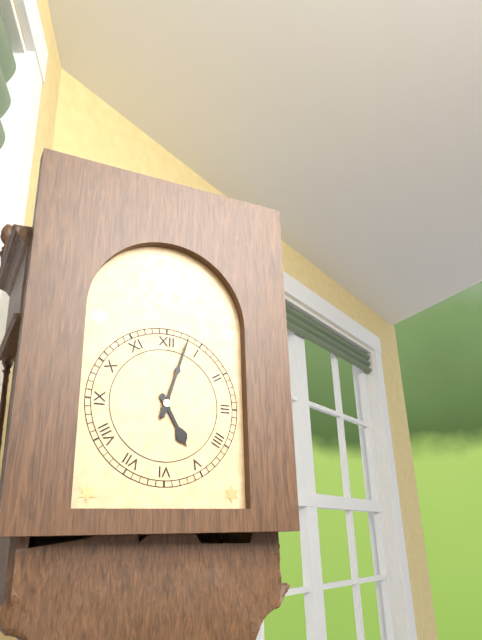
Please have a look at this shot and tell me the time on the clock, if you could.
5:03
